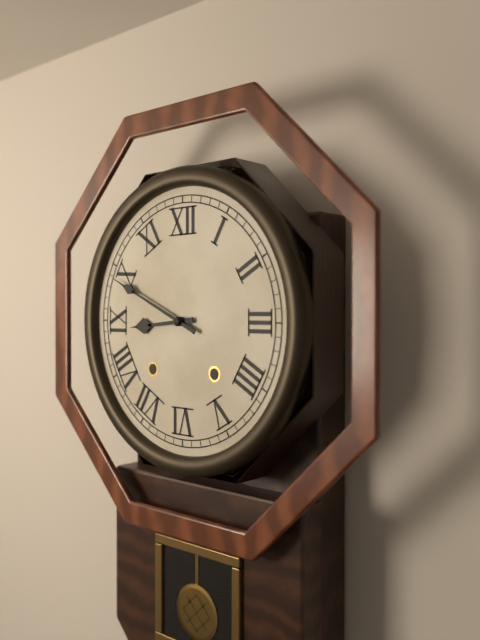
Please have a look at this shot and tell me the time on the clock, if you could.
8:49
